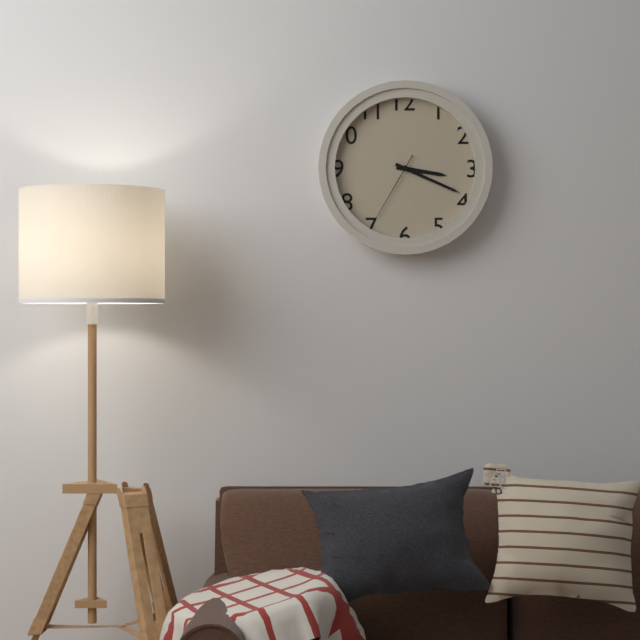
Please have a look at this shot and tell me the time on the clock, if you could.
3:19:35
